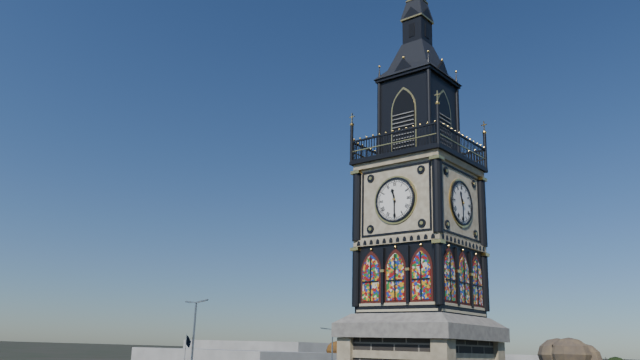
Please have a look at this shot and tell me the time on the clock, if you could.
11:30
